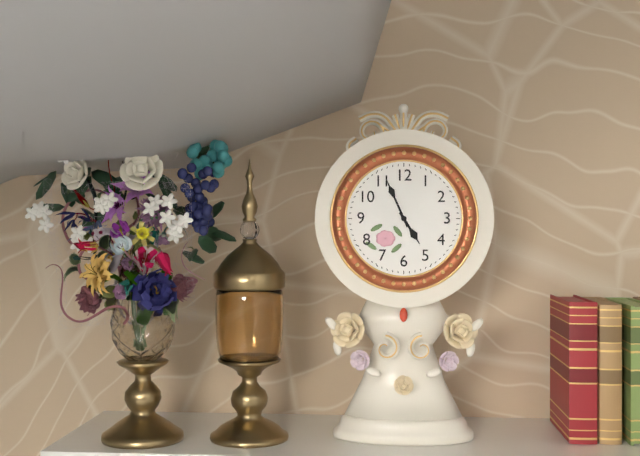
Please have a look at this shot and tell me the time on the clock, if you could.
4:56
